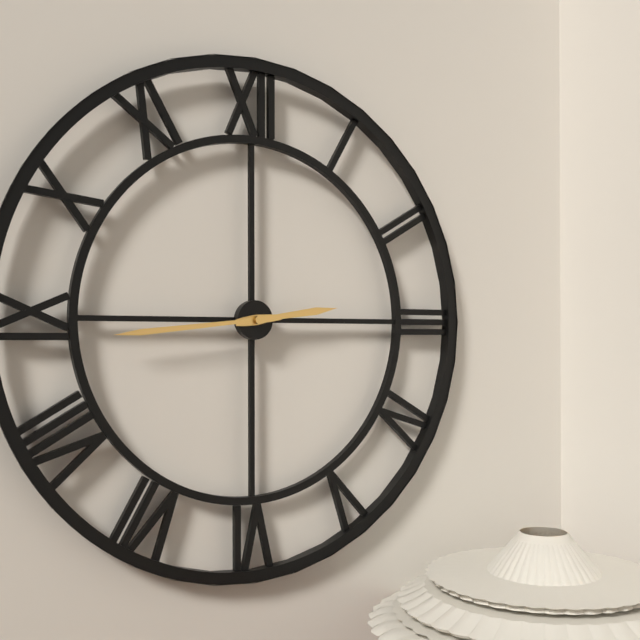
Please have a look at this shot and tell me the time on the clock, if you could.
2:44
